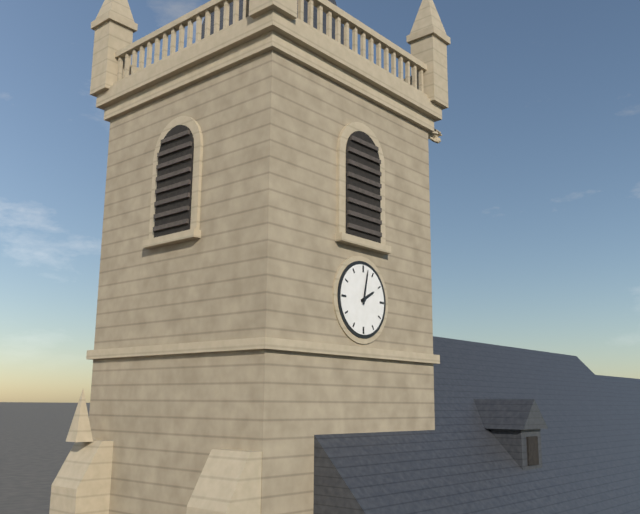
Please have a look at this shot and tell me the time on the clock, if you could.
2:02
